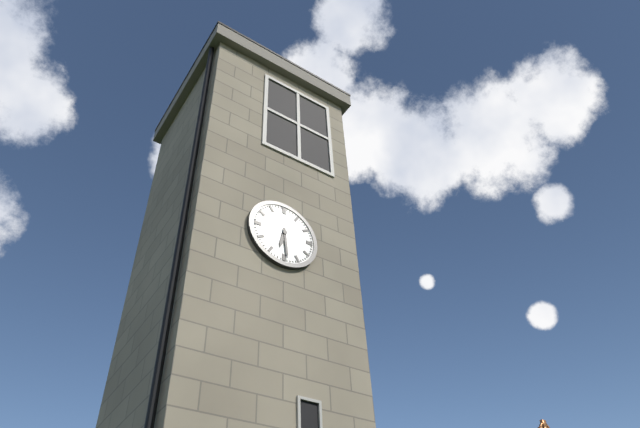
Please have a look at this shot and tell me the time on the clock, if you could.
6:29
